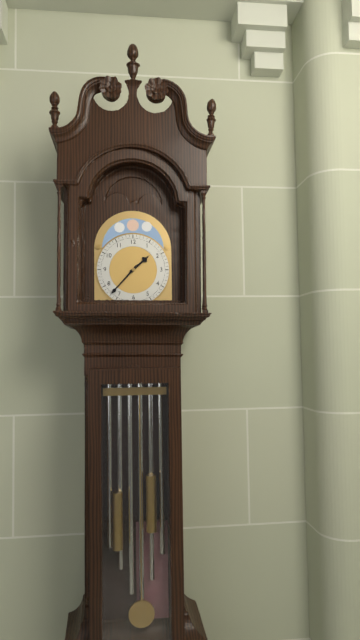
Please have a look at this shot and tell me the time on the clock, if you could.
1:37
